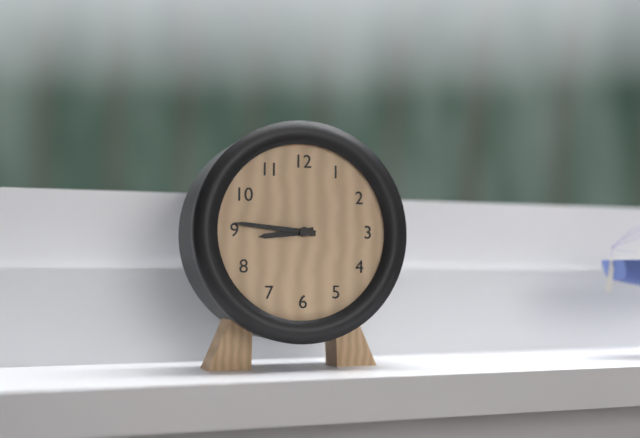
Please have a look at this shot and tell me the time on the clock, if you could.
8:46
